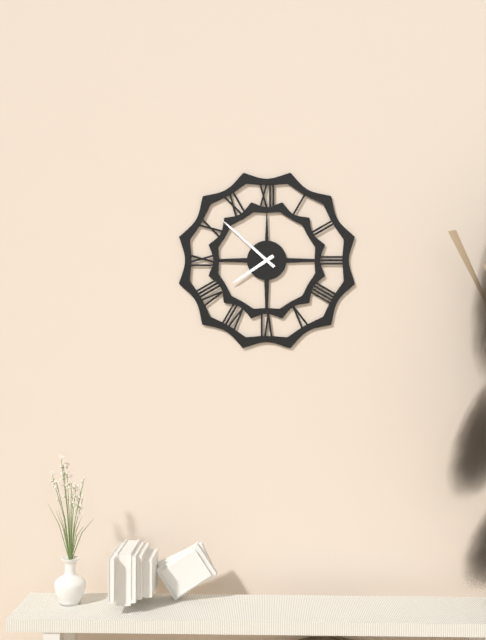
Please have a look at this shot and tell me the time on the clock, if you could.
7:52
